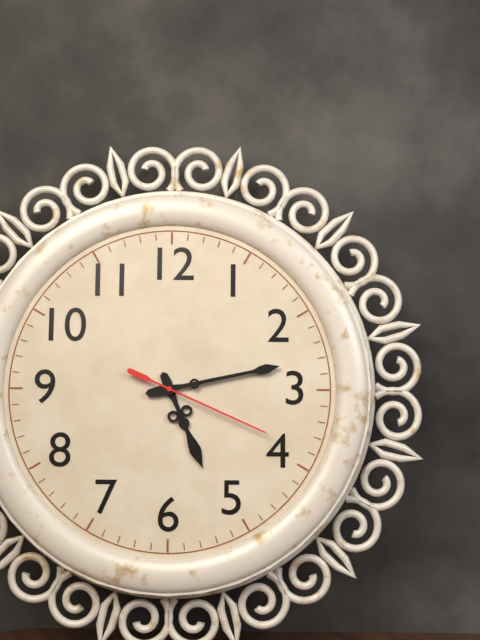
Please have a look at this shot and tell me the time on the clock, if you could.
5:13:19
